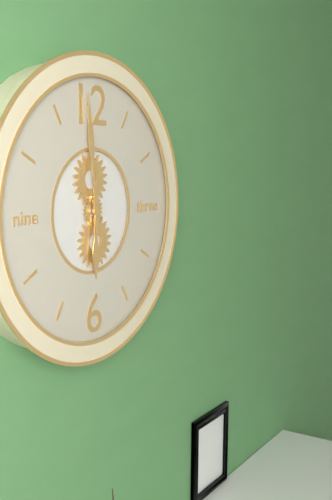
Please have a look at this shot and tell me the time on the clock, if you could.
5:59
